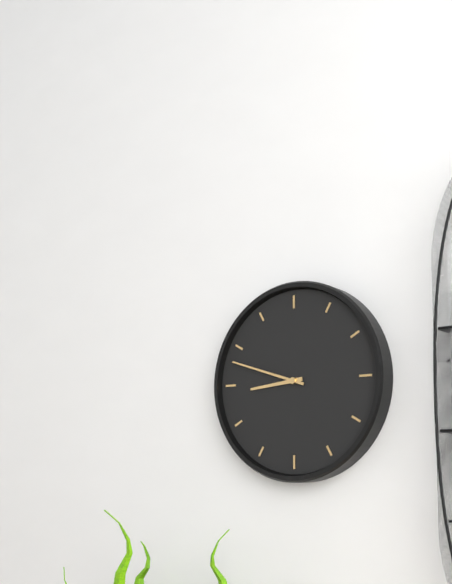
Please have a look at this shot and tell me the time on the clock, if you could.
8:48
